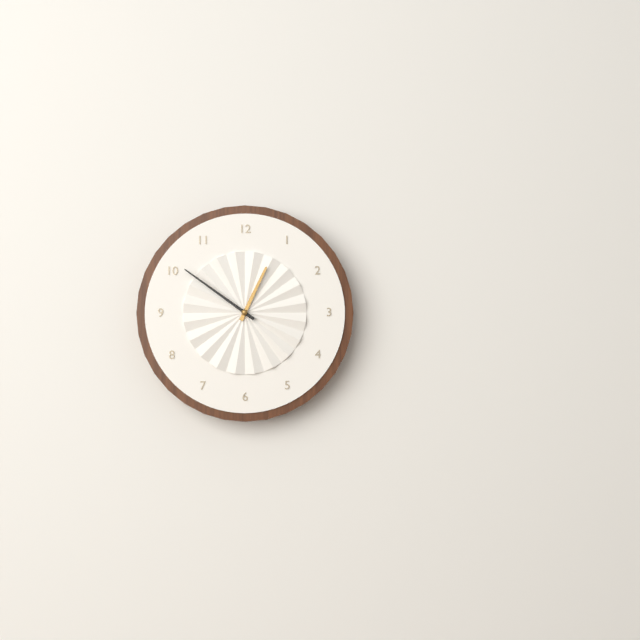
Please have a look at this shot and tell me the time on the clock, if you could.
12:51
